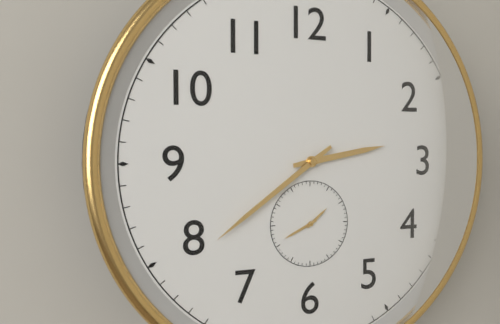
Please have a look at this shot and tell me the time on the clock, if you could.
2:39
